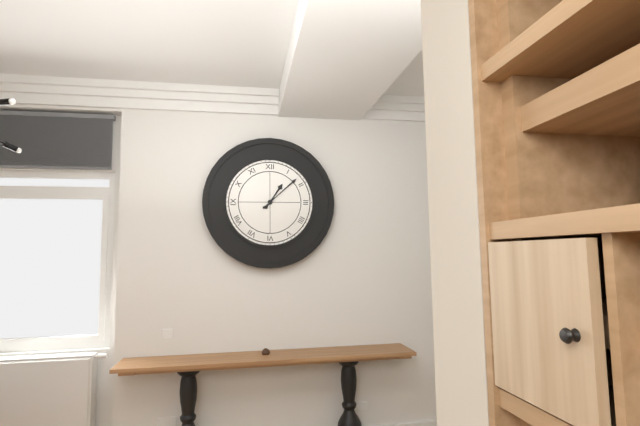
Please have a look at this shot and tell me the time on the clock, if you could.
1:08
